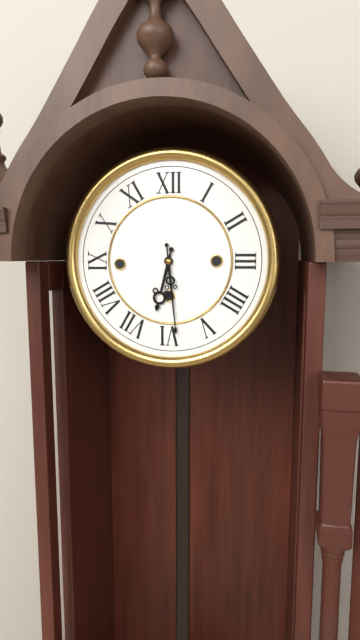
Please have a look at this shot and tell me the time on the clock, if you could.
6:29
